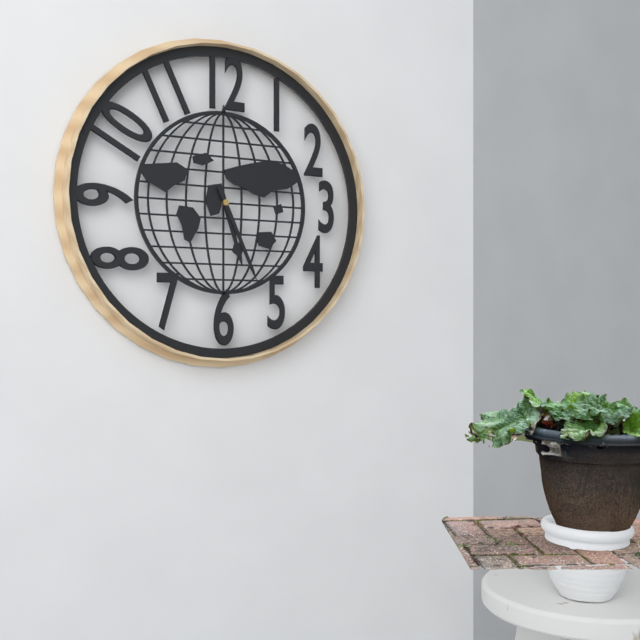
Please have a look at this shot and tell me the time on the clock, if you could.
5:26
